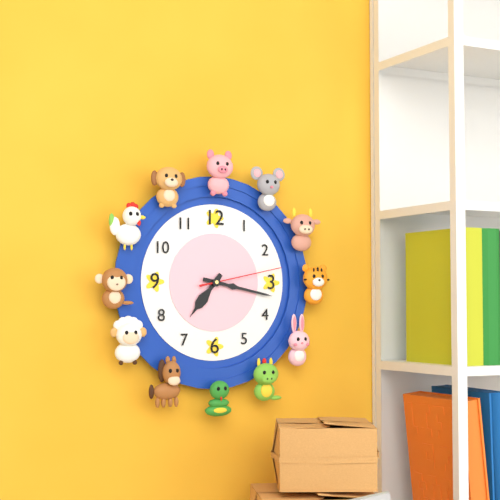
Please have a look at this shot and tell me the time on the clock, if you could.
7:17:13
